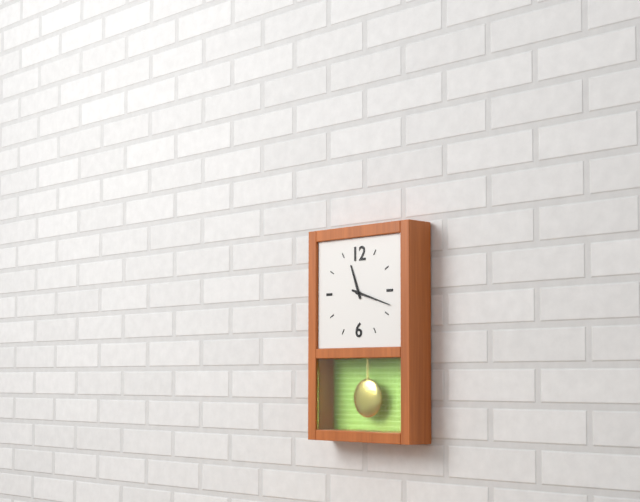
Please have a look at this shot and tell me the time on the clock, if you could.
11:18
